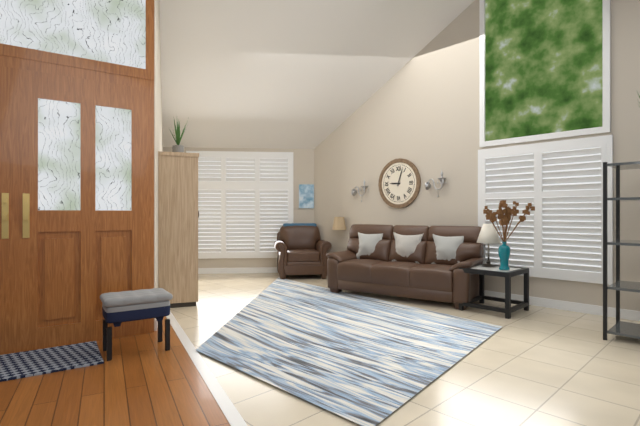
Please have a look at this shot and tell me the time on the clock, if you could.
9:03
